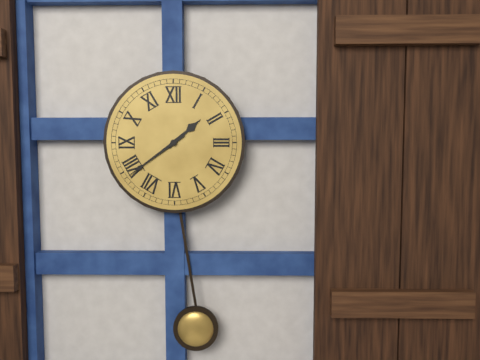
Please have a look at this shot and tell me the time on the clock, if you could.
1:39
